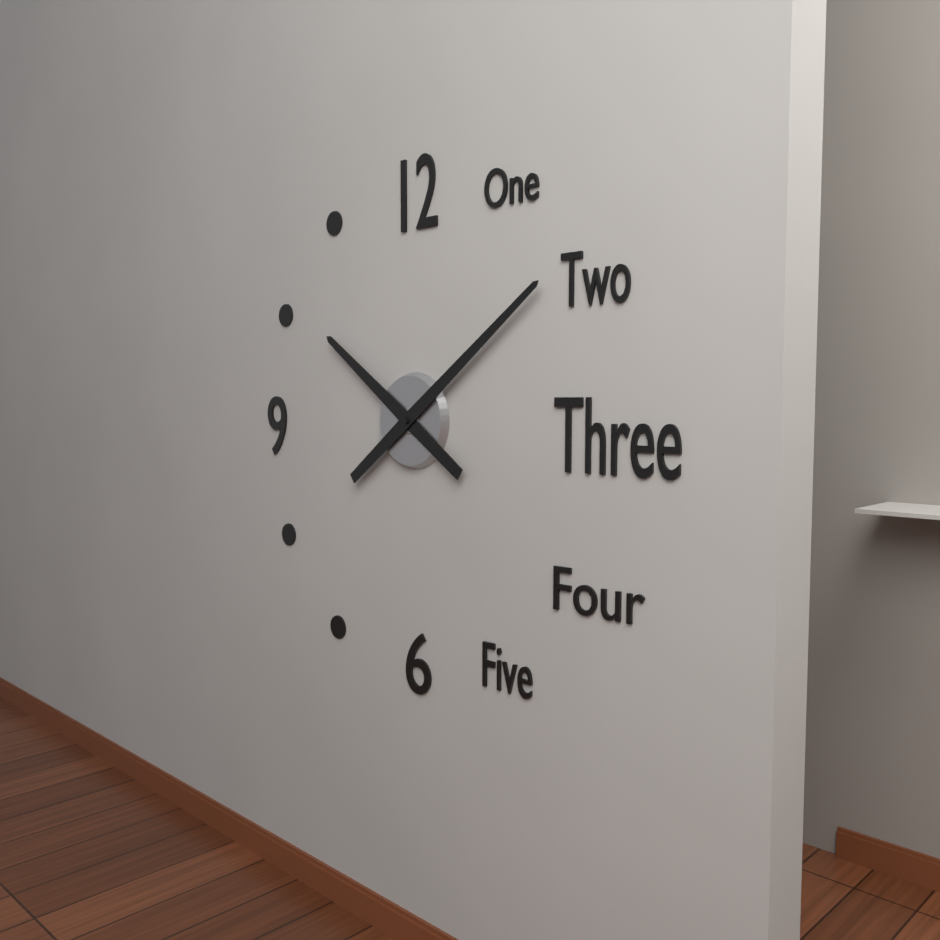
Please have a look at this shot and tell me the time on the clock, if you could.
10:09
